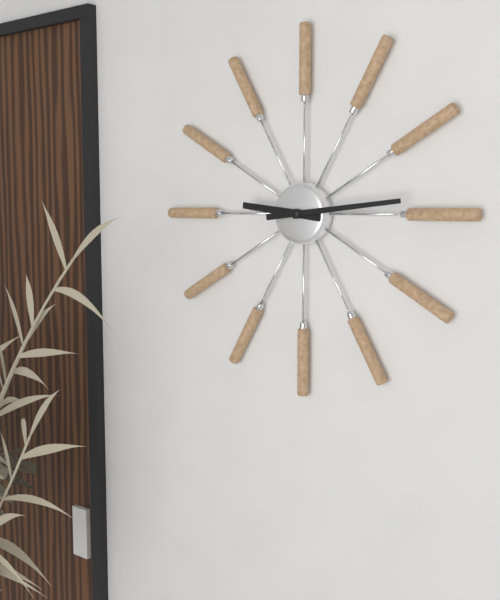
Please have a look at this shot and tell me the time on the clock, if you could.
9:14
